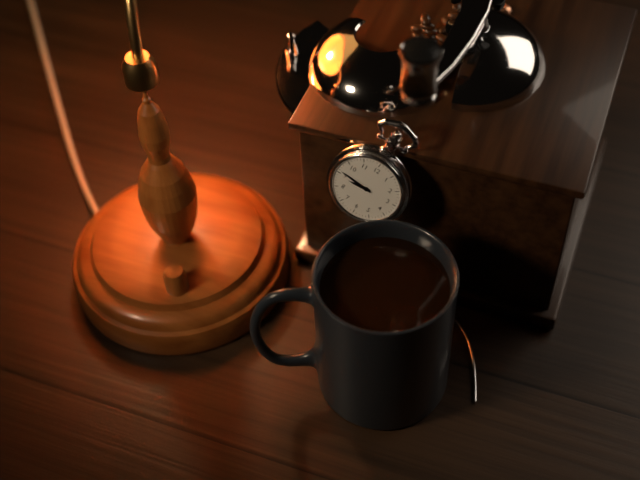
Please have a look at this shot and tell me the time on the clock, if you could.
8:46
